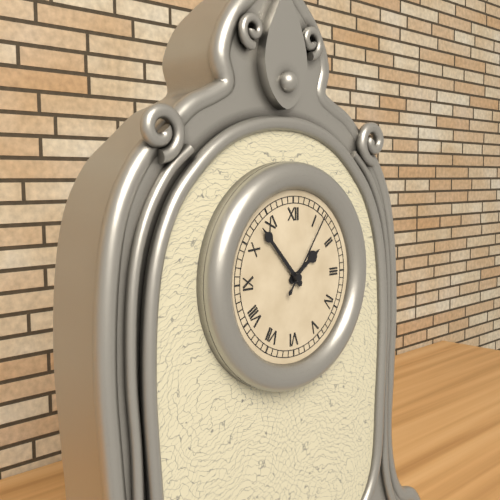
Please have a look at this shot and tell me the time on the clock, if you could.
1:53:06
